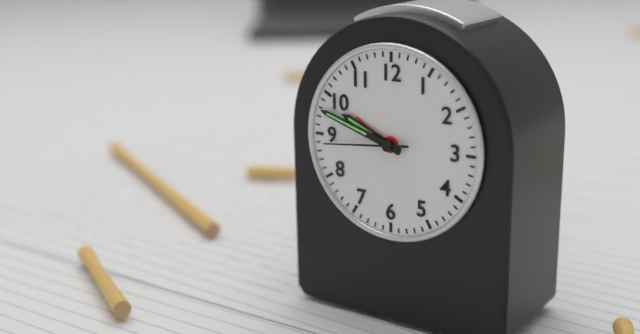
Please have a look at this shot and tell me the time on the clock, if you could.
9:48:44
